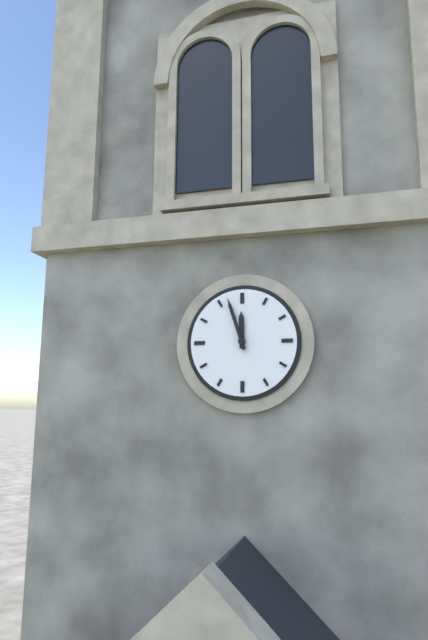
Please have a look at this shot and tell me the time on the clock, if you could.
11:57
